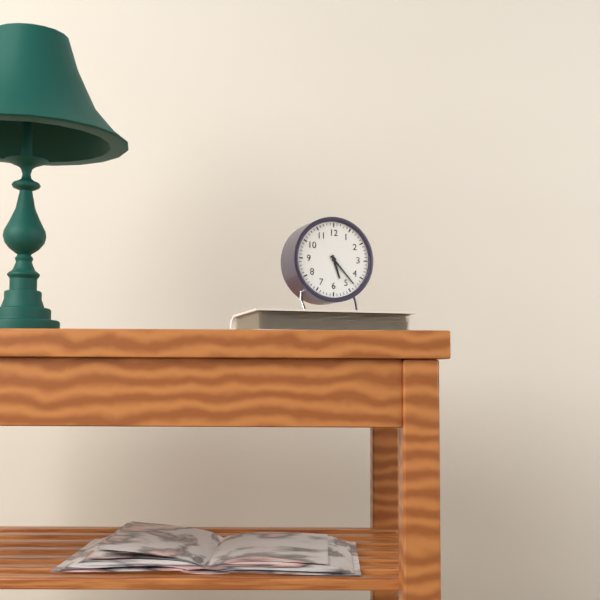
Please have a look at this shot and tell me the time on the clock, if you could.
5:23
